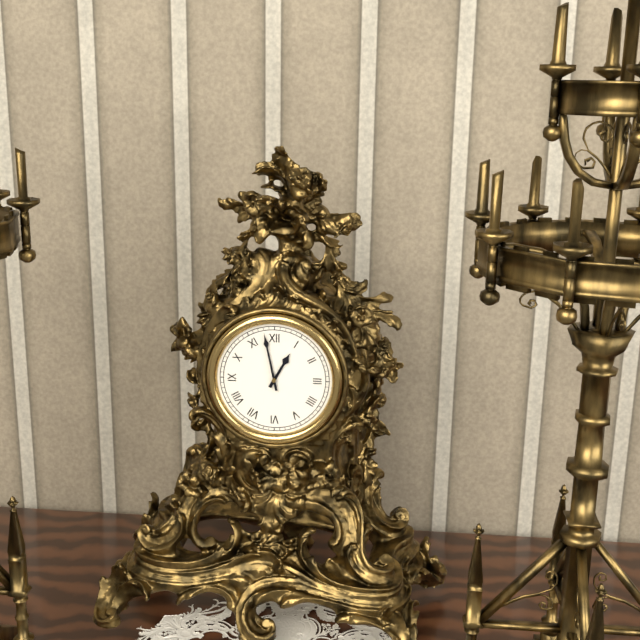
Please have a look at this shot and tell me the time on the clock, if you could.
12:58
